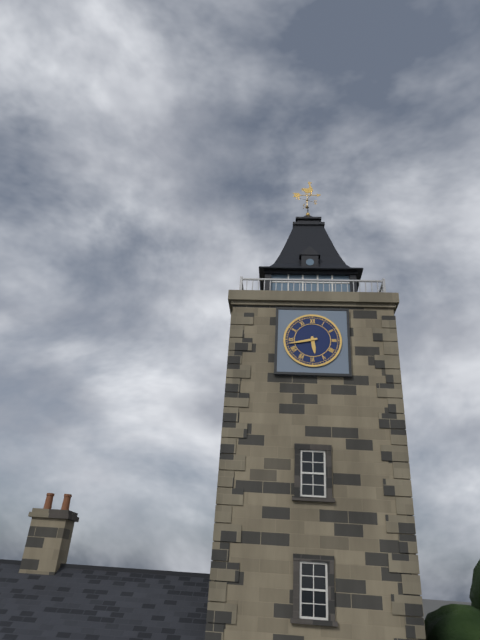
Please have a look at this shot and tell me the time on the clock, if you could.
5:43
